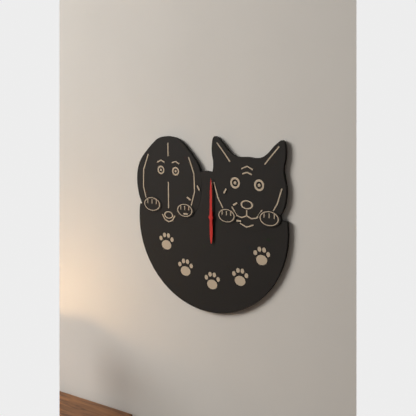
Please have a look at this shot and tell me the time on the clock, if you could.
6:00
